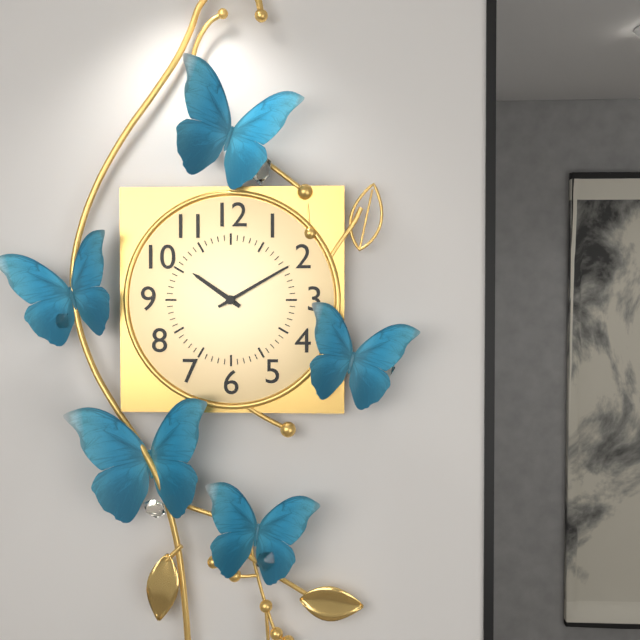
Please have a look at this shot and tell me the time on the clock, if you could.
10:10
